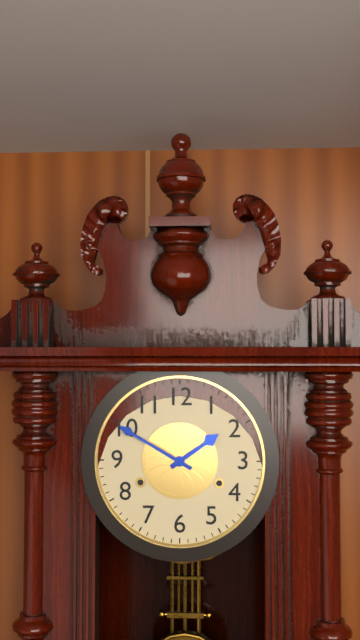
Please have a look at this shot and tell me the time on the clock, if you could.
1:50
